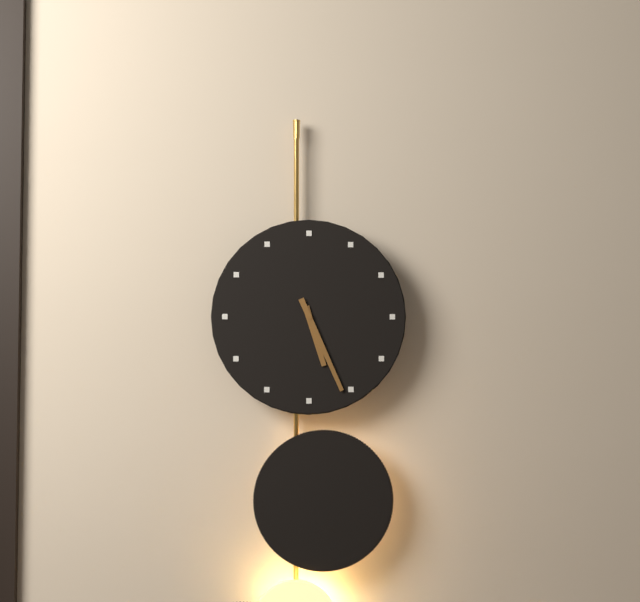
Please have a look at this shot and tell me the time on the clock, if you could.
5:26
